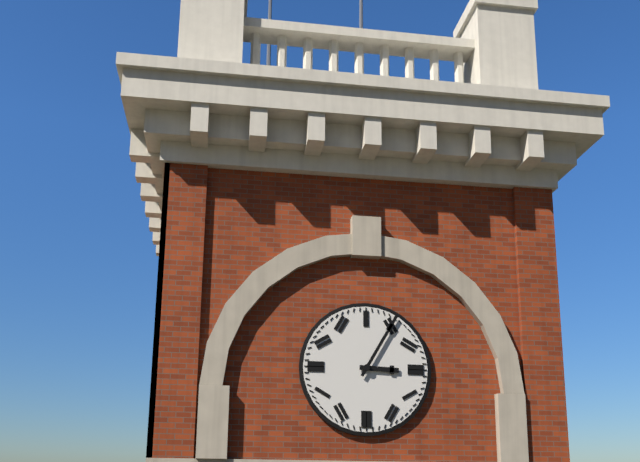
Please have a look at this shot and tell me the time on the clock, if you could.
3:05
